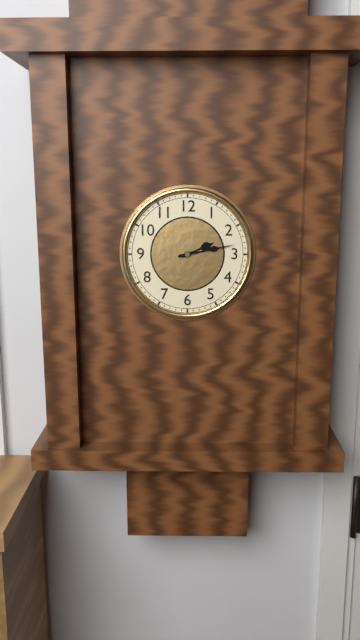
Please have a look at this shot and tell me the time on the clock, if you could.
2:13
